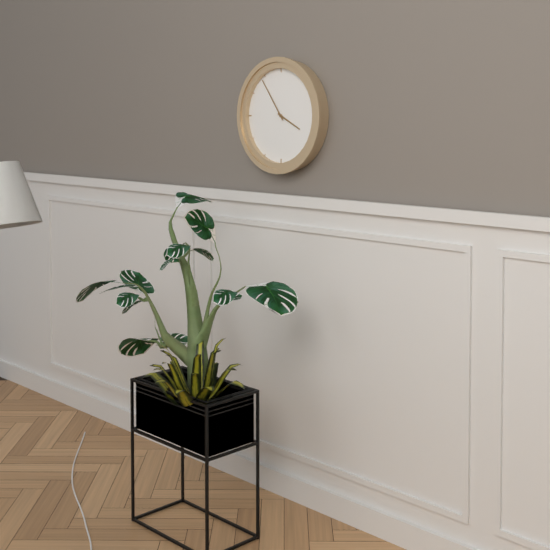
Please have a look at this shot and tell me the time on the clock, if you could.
3:54
